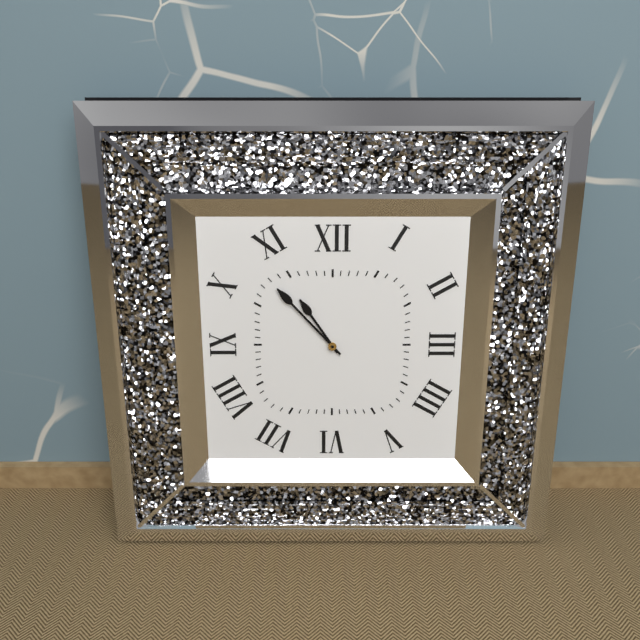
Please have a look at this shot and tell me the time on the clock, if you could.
10:53
